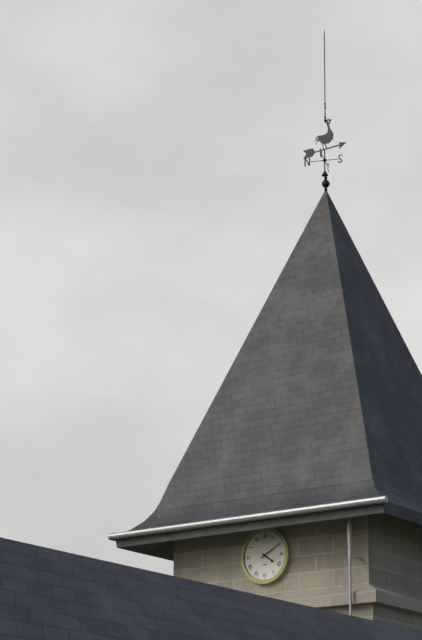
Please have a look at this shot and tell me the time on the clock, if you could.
4:10
